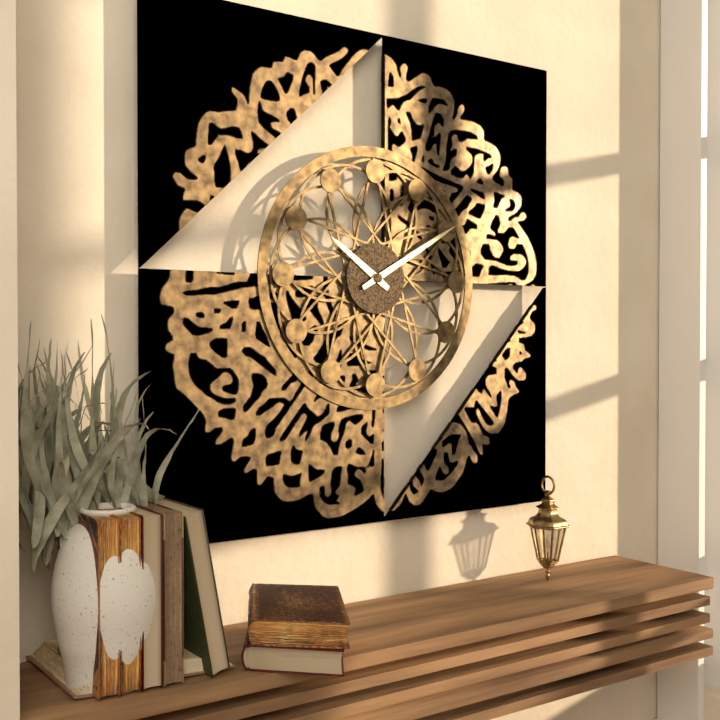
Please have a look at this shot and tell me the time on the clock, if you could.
10:10
